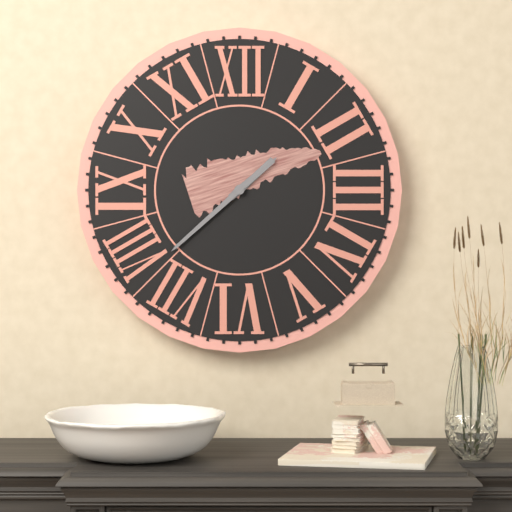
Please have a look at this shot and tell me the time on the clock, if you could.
1:38
